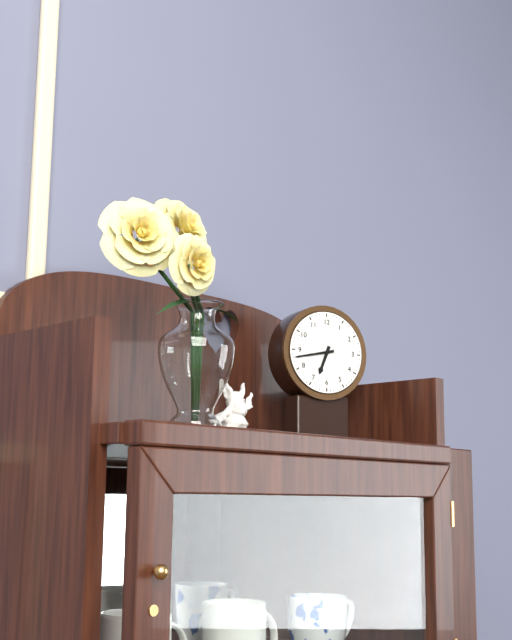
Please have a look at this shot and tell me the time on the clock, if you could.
6:43
